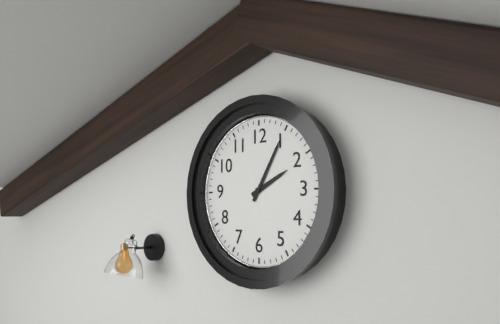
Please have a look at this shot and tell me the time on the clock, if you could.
2:05
